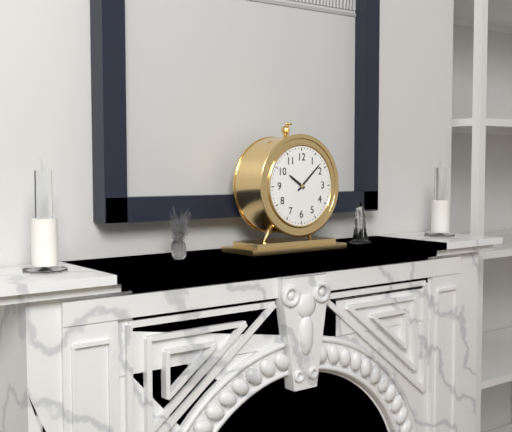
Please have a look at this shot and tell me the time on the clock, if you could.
10:08
